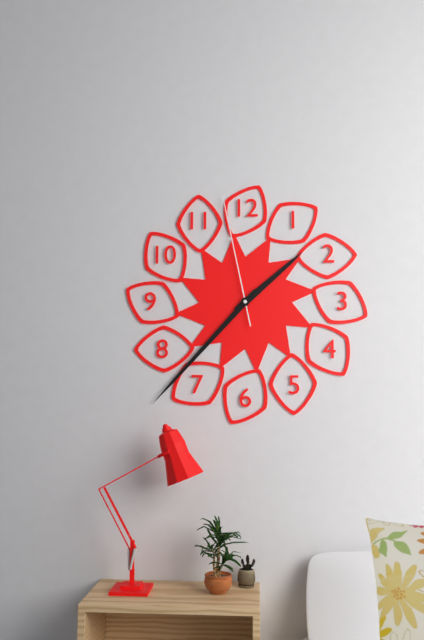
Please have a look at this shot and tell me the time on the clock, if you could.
1:37:58
